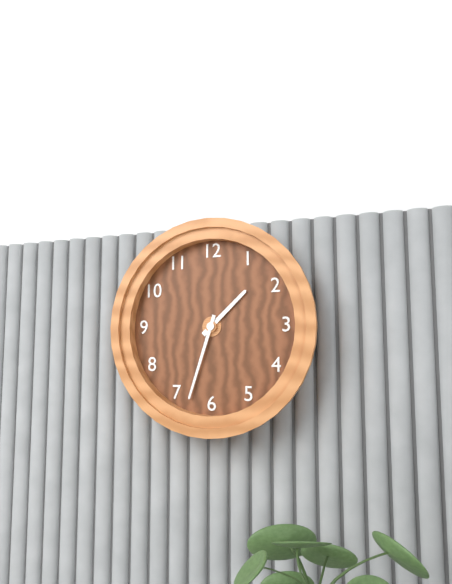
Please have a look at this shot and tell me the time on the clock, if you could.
1:33
